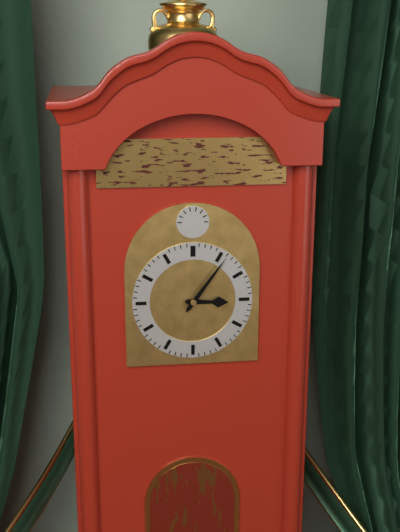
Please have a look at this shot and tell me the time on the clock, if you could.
3:06
